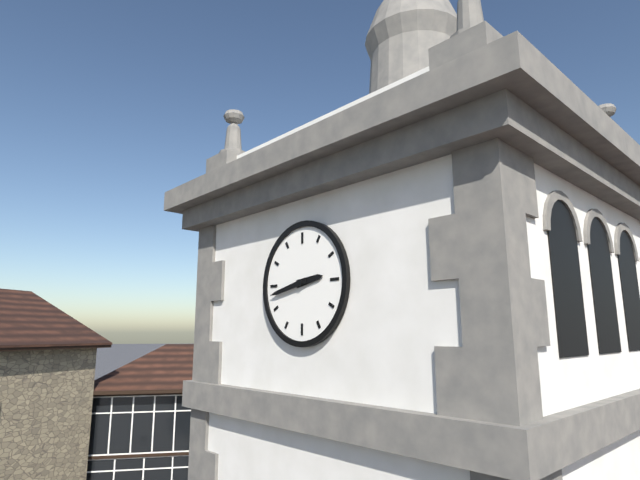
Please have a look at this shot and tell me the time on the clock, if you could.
2:43
